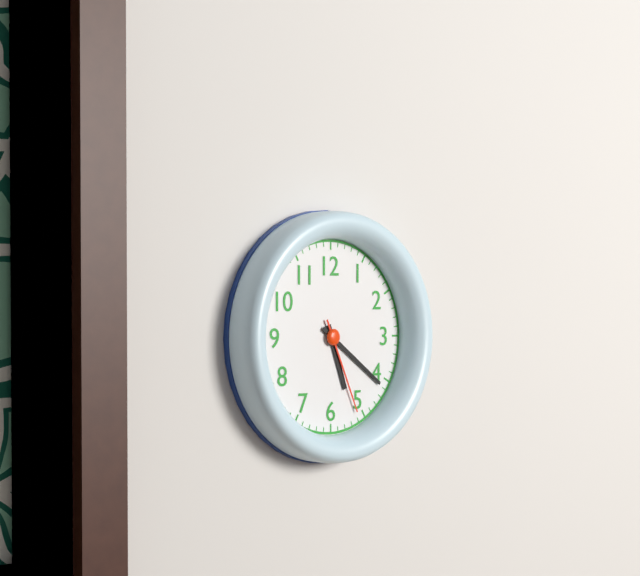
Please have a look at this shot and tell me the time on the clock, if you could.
5:21:26
